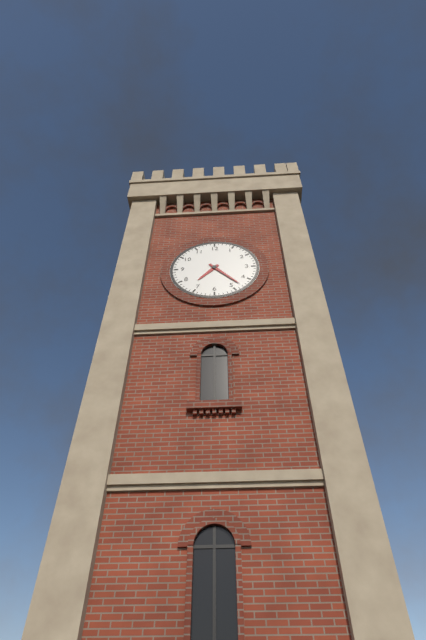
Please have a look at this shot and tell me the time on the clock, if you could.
7:23
